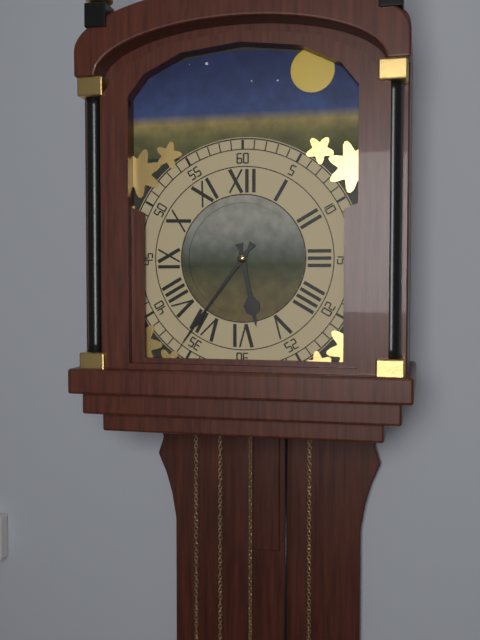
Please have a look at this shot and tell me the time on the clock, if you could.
5:36
